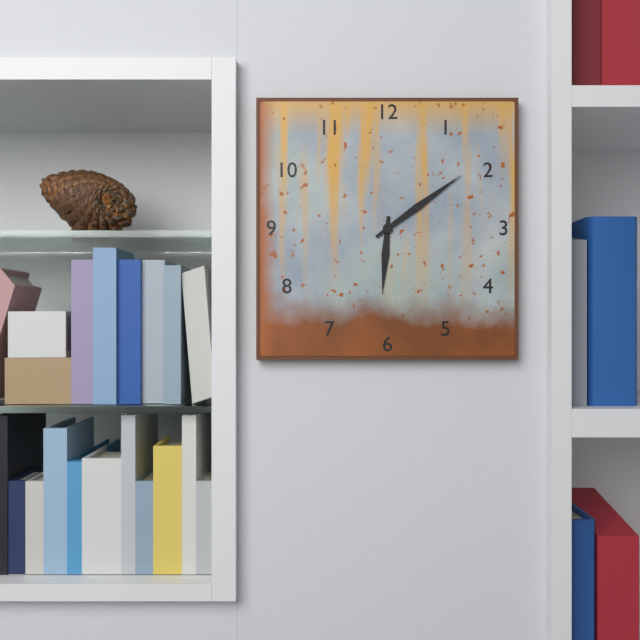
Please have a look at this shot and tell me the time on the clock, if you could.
6:09
